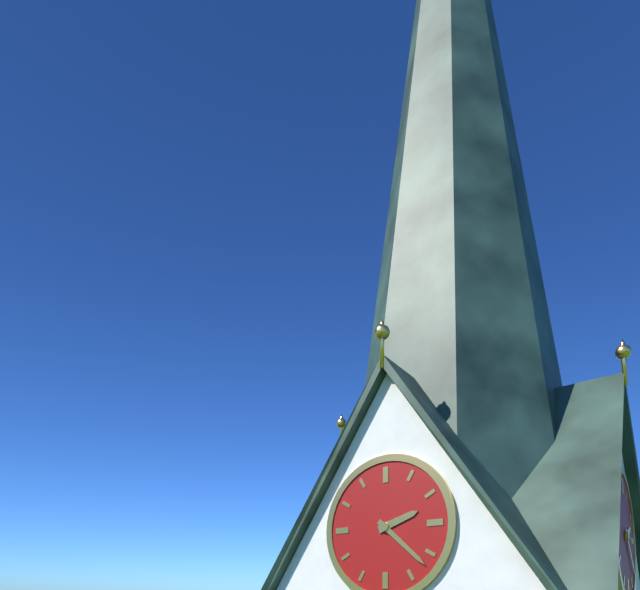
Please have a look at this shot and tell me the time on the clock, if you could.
2:22
